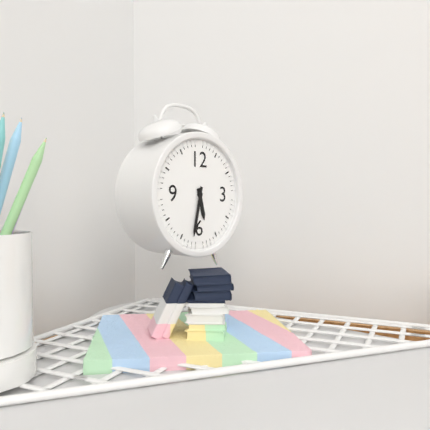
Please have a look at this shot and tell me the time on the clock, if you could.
5:32
